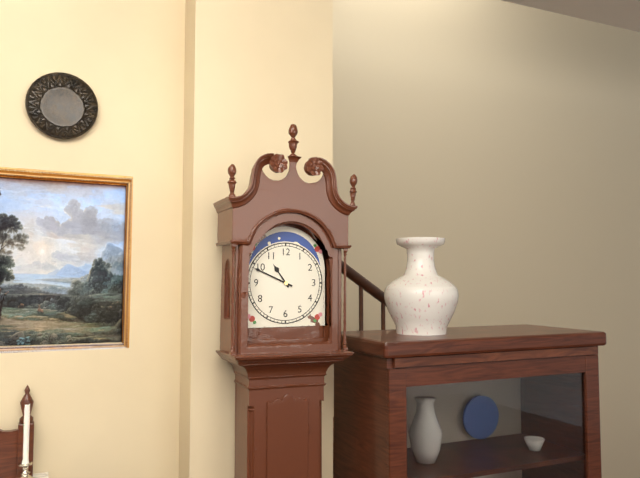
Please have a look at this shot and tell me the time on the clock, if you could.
10:49
